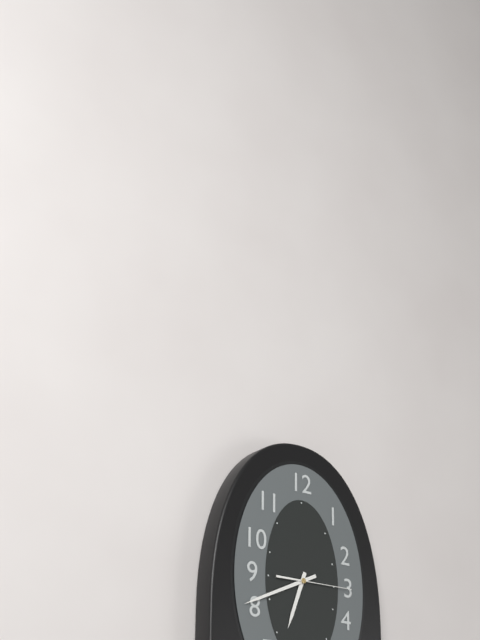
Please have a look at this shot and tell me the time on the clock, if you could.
6:41:15
